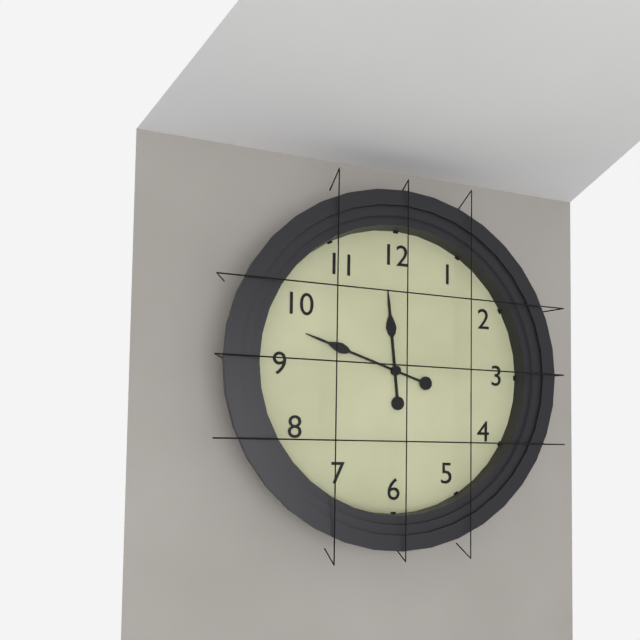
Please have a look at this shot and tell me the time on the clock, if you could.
11:48
